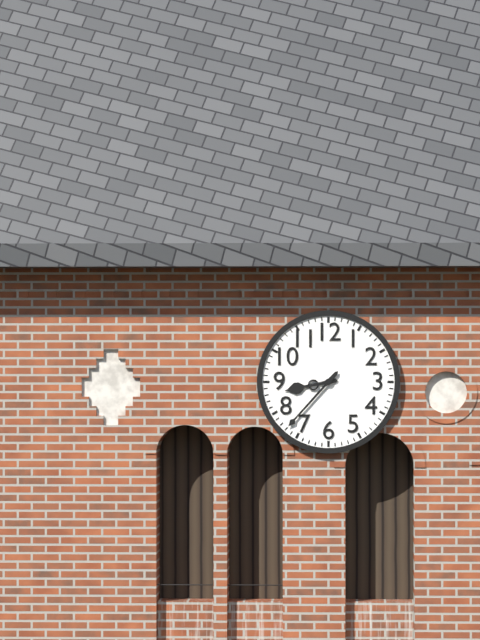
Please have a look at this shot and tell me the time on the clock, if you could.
8:37
